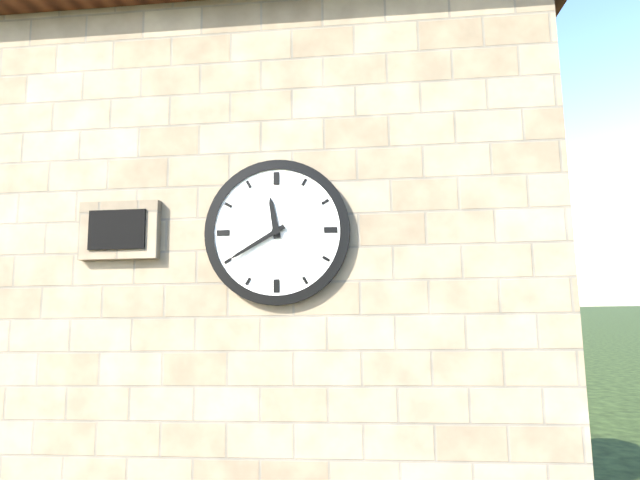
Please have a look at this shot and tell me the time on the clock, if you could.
11:40
